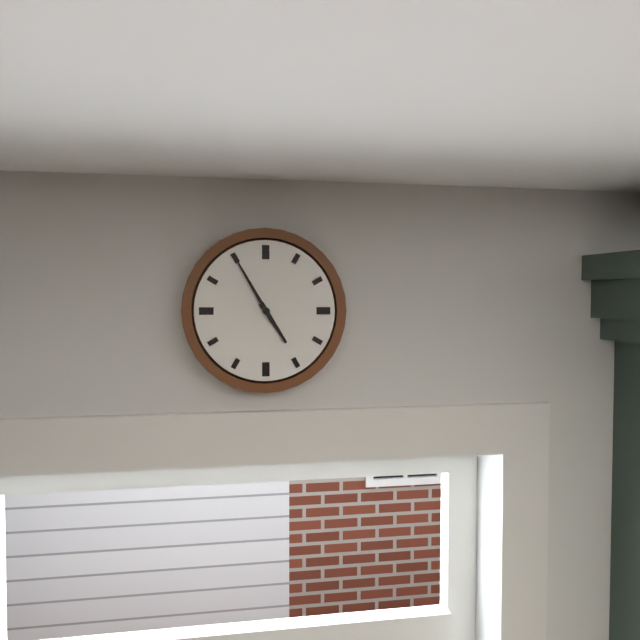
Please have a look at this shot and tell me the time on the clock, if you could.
4:55
